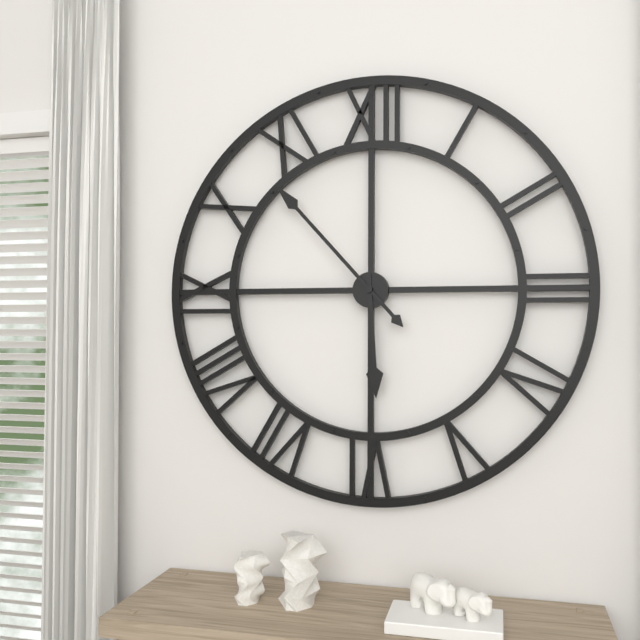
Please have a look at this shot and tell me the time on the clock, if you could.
5:53
